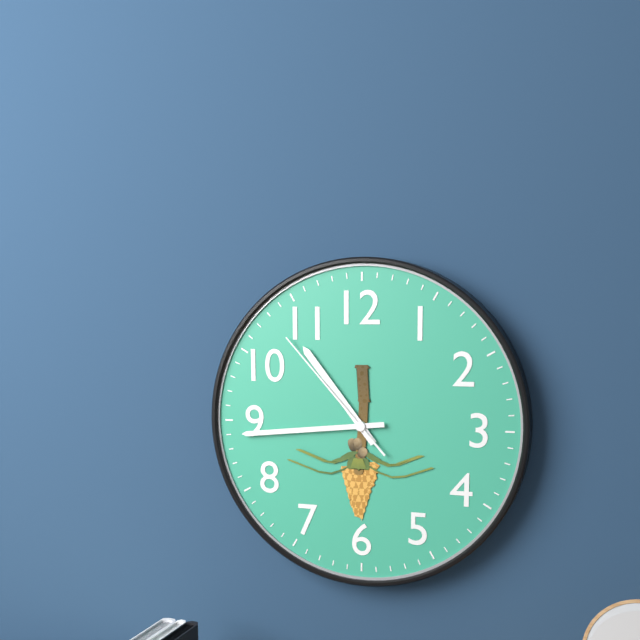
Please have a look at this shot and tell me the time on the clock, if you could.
10:44:53
